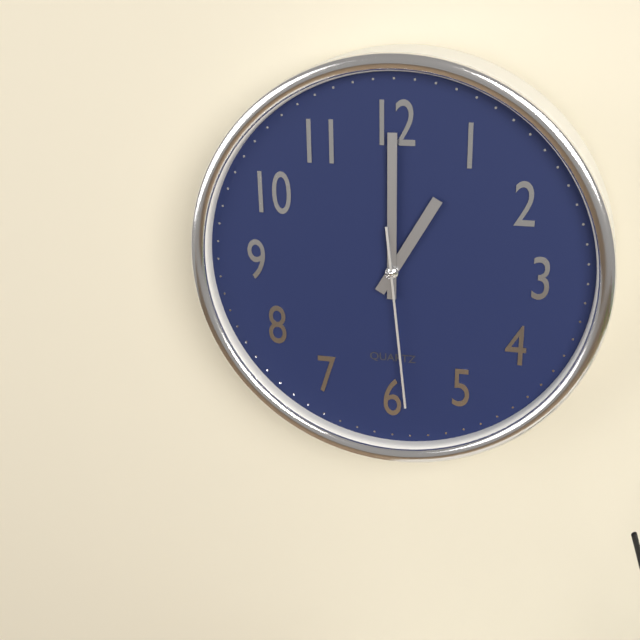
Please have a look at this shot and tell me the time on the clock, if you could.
1:00:29
